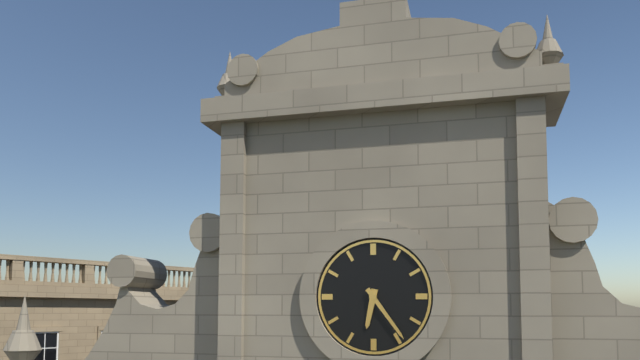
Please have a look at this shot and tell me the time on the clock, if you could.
6:24
